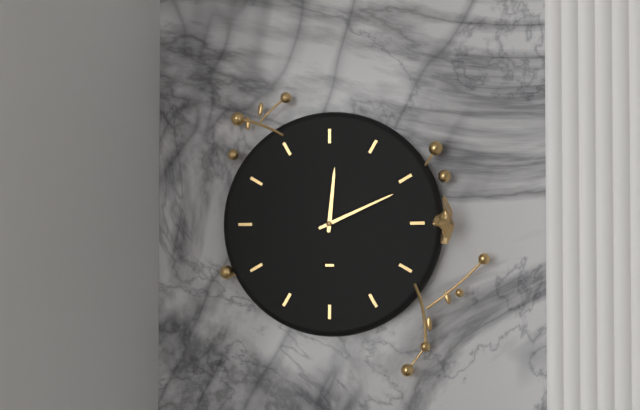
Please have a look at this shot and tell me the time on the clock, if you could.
12:11
